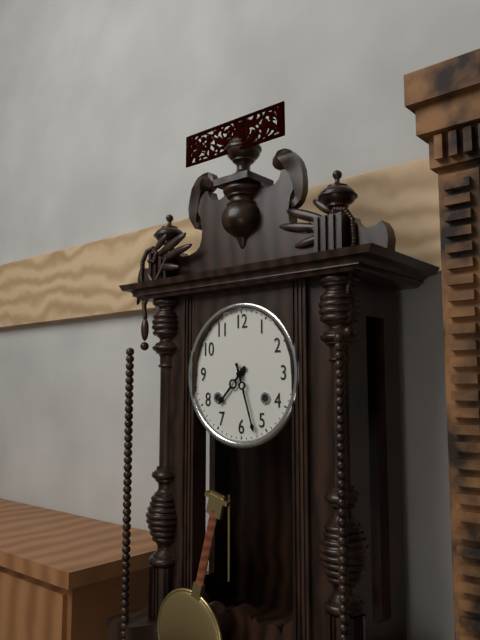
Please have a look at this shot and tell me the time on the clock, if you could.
7:27
